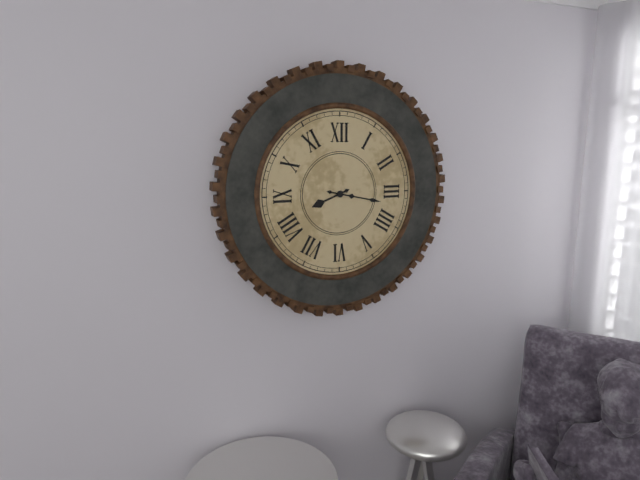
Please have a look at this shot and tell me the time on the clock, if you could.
8:17
